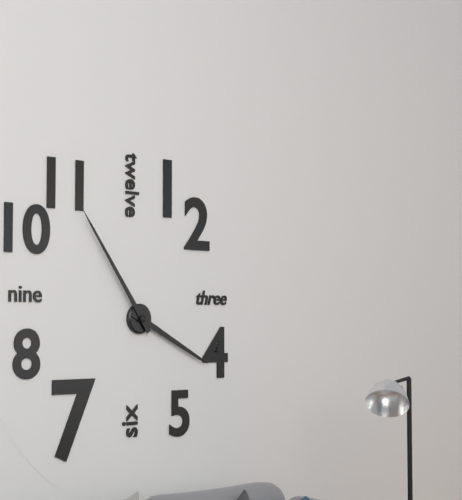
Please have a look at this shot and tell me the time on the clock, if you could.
3:54
